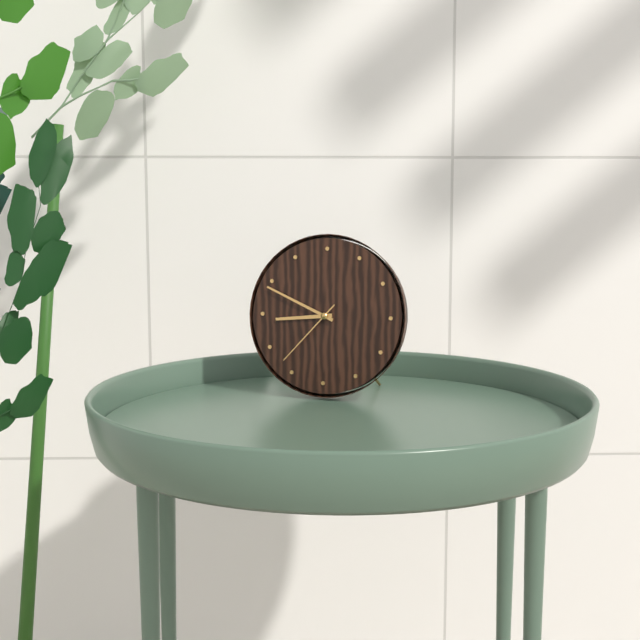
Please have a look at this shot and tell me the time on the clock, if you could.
8:49:37
